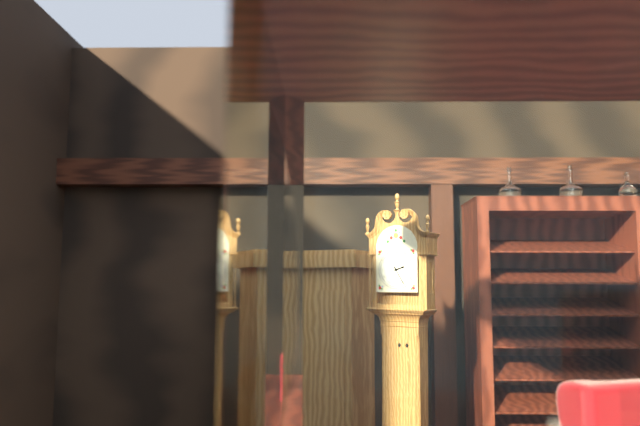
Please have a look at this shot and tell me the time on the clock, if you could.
2:25
